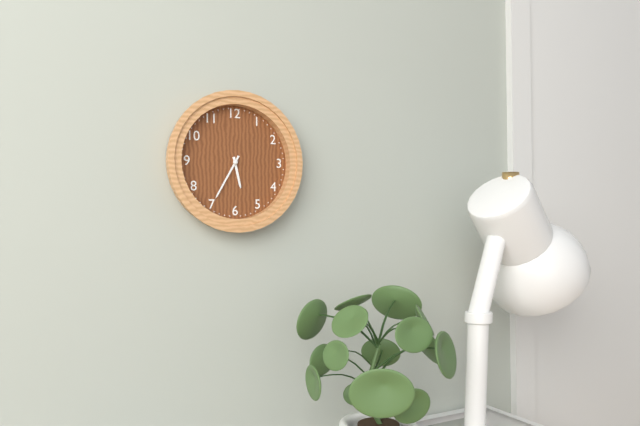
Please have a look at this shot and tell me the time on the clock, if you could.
5:35
